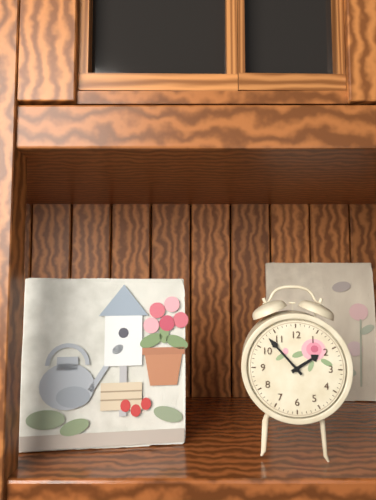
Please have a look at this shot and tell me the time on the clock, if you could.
1:53
